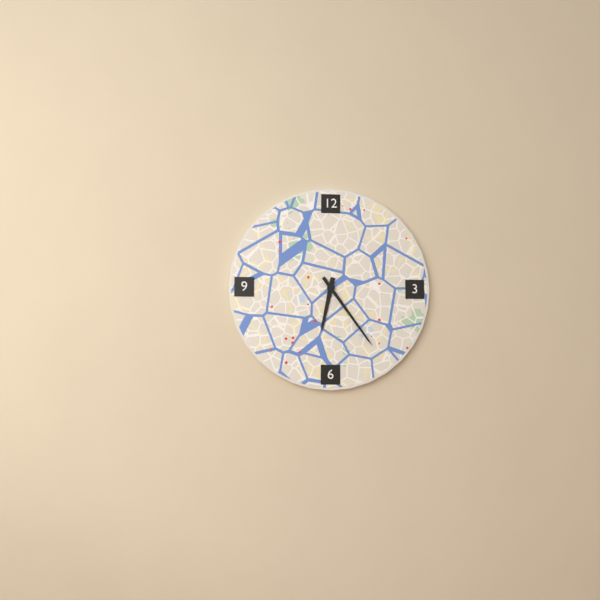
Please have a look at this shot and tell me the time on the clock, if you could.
6:24
